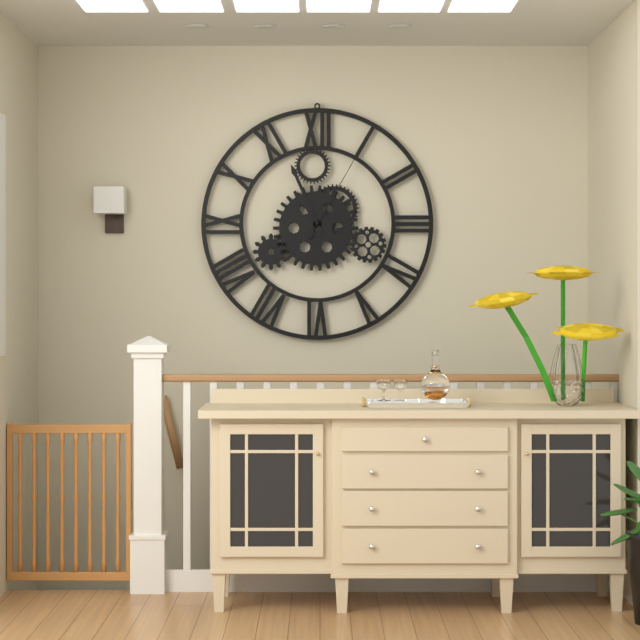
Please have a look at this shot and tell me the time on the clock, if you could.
10:56:05
